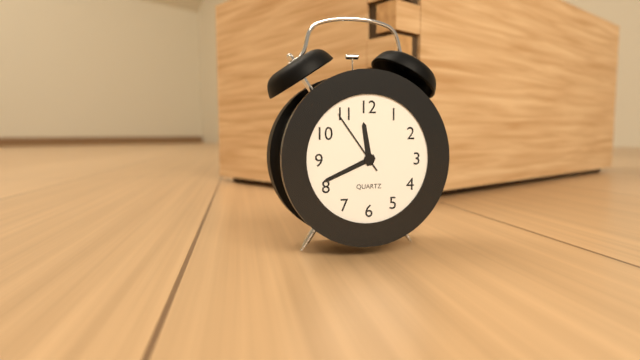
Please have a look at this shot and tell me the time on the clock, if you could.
11:41:54
